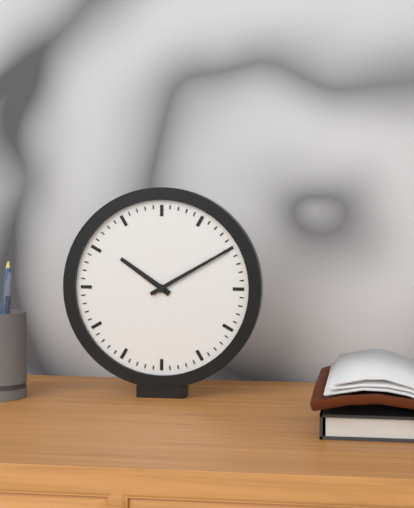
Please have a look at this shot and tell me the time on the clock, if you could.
10:10
